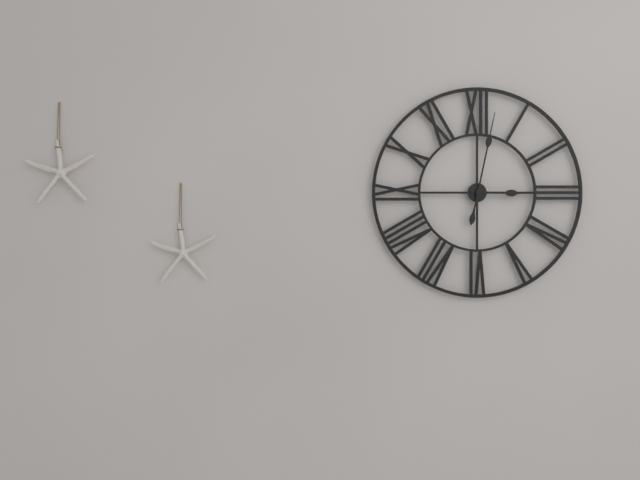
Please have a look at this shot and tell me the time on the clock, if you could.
3:02
